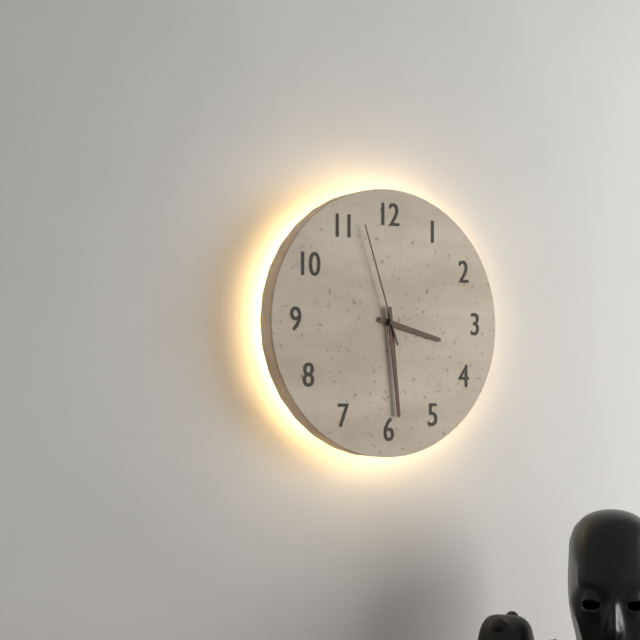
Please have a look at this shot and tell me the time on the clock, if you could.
3:29:57
